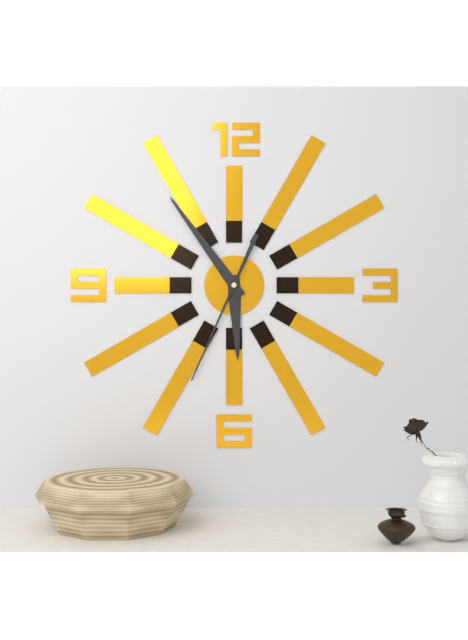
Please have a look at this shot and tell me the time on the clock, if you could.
5:54:34
